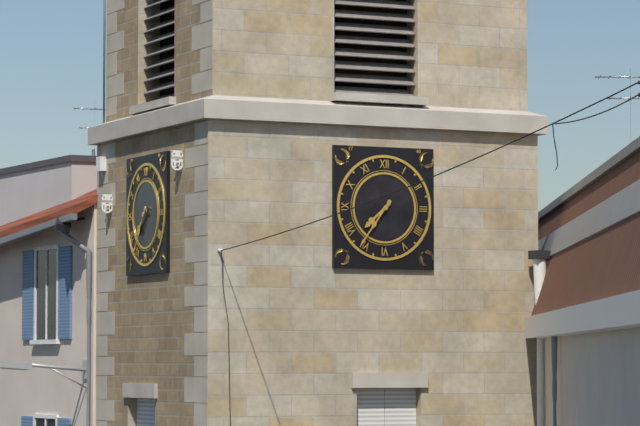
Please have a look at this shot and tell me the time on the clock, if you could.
7:36
